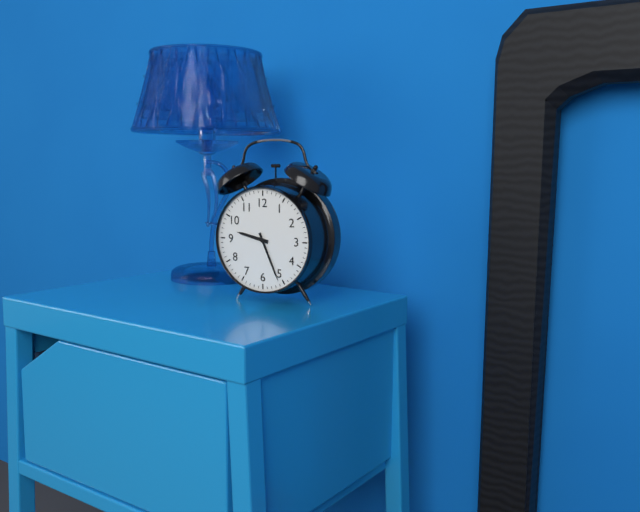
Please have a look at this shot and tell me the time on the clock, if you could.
9:26
